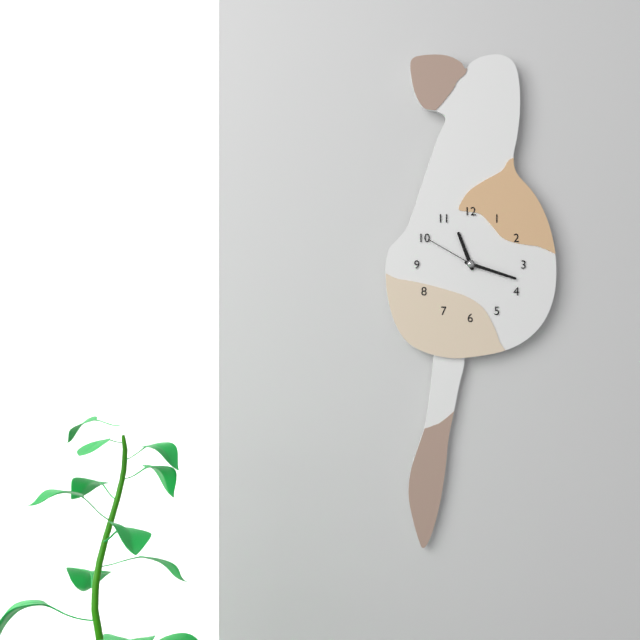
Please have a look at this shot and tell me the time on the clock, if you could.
11:18:50
